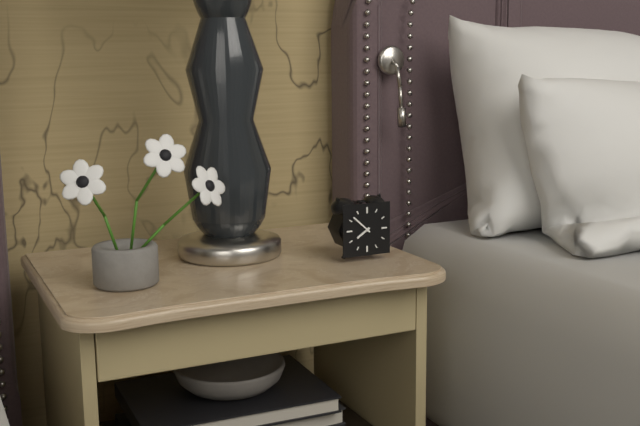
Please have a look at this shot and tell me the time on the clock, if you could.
7:52
